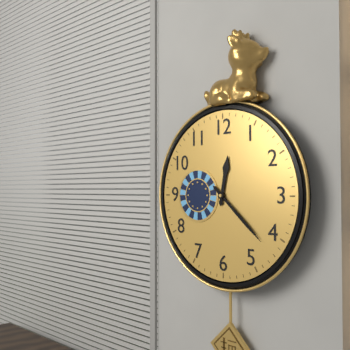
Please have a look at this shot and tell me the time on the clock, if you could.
12:22
